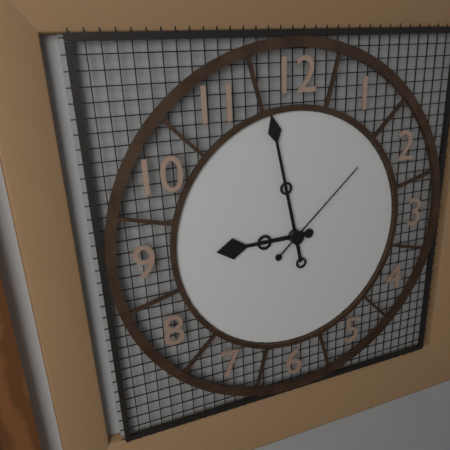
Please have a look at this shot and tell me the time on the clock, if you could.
8:58:08
